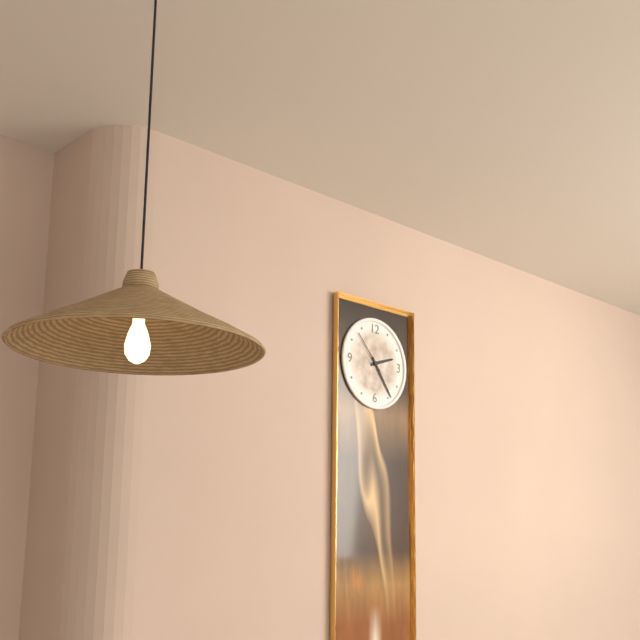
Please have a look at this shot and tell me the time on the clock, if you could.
2:24
